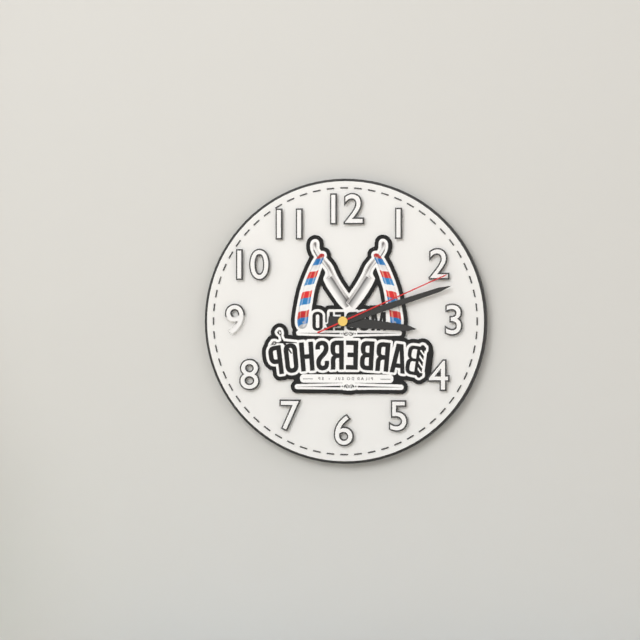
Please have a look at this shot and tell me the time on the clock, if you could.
3:12:11
